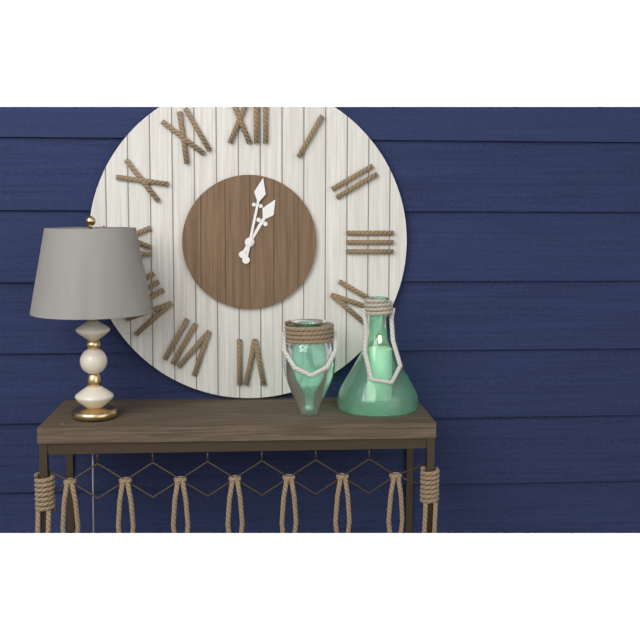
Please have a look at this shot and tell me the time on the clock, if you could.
1:02
